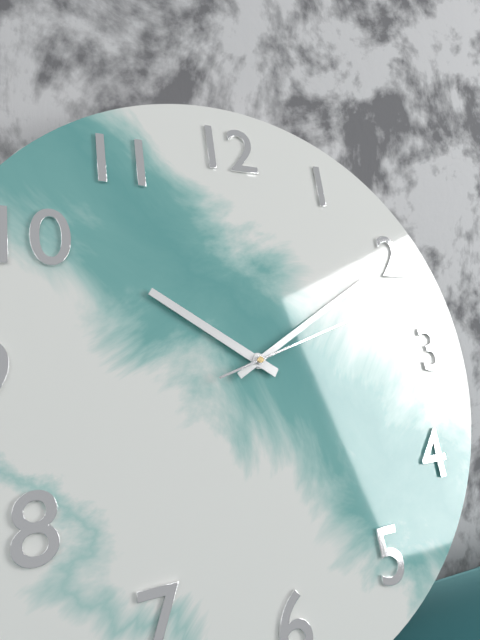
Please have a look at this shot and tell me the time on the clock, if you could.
10:10:12
